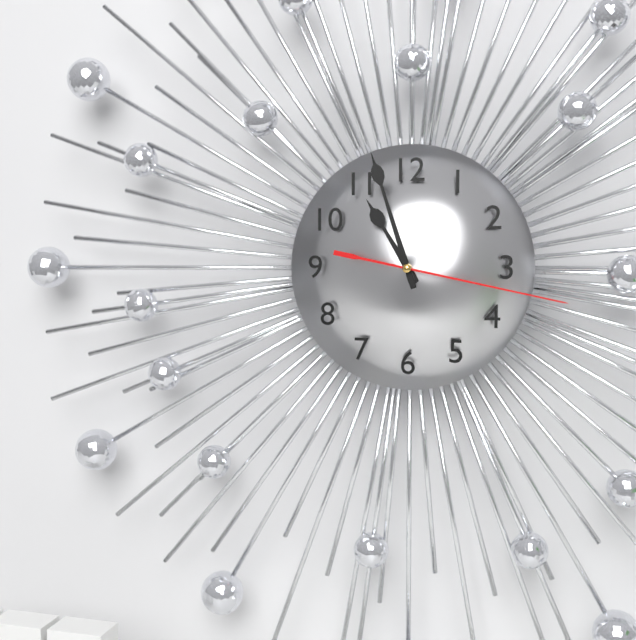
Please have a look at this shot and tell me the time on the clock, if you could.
10:57:17
